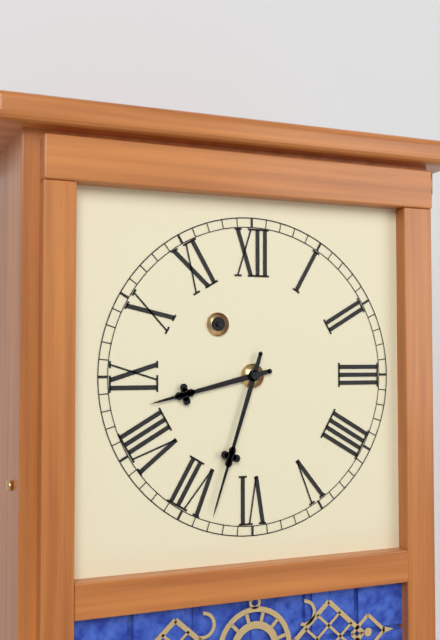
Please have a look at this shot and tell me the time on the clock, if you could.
8:33
